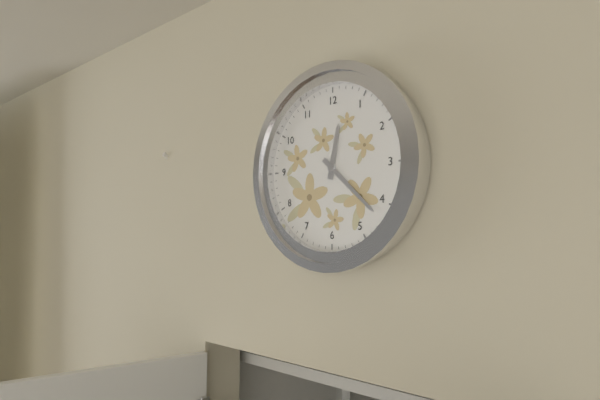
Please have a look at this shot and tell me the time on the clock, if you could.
12:22
